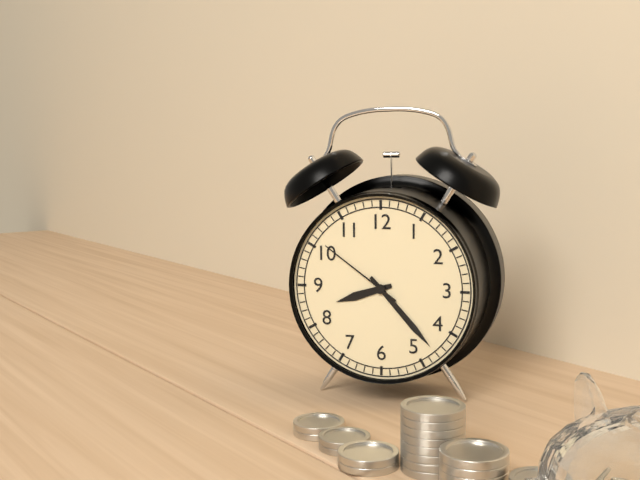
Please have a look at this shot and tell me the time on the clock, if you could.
8:23:51
